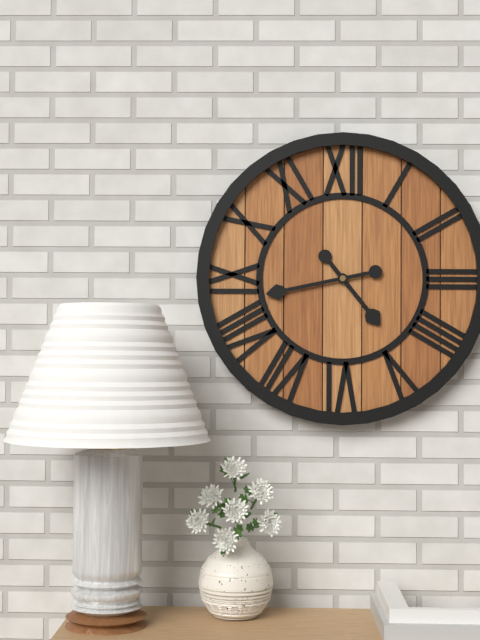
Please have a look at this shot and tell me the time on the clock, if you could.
4:43
